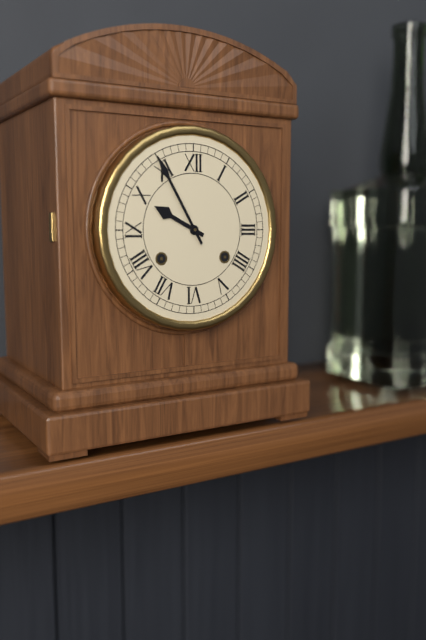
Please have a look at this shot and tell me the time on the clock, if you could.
9:55
